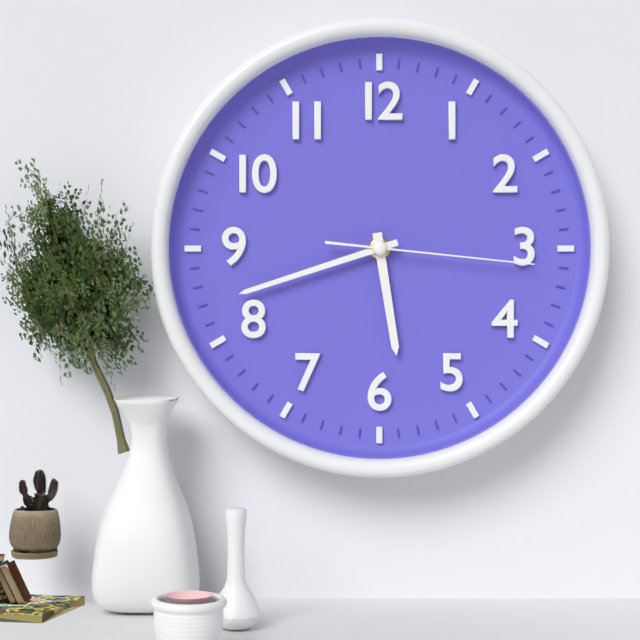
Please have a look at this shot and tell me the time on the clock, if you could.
5:42:16
